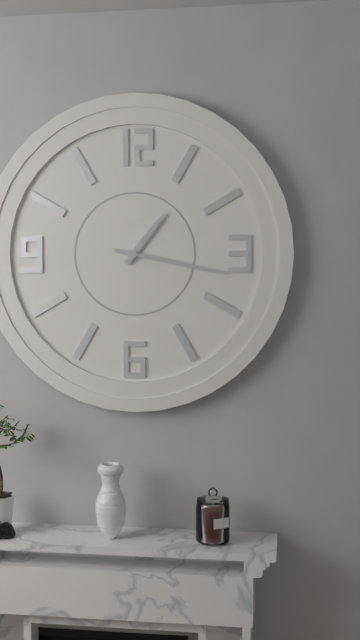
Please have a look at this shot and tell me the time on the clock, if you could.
1:17
